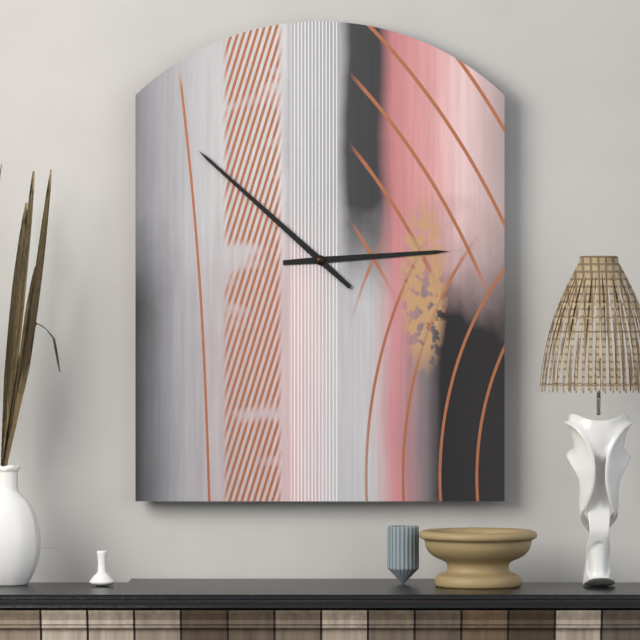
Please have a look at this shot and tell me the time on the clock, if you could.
2:52
